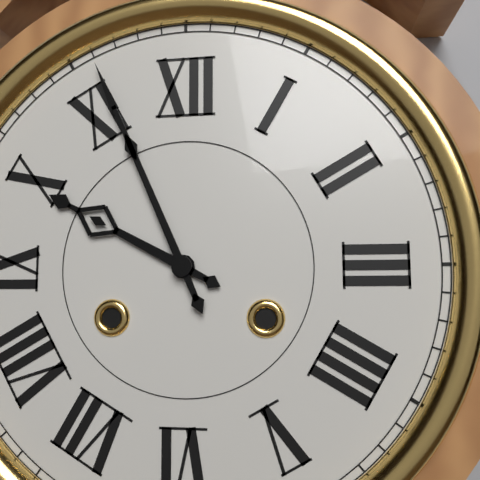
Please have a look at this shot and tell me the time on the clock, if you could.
9:56
